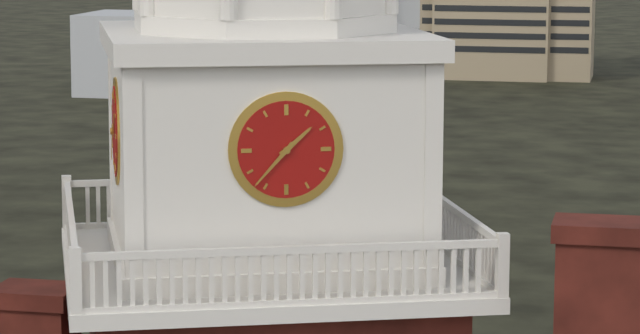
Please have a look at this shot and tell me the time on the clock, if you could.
1:37
